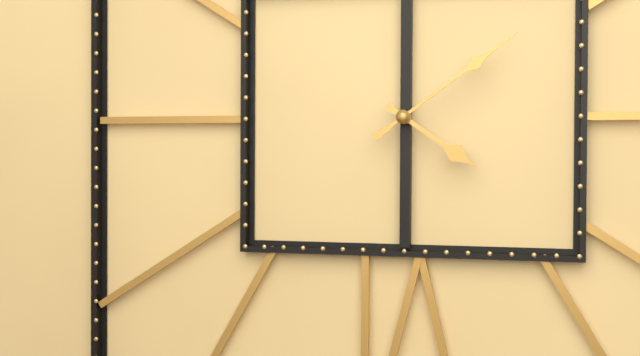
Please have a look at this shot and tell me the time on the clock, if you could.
4:09
